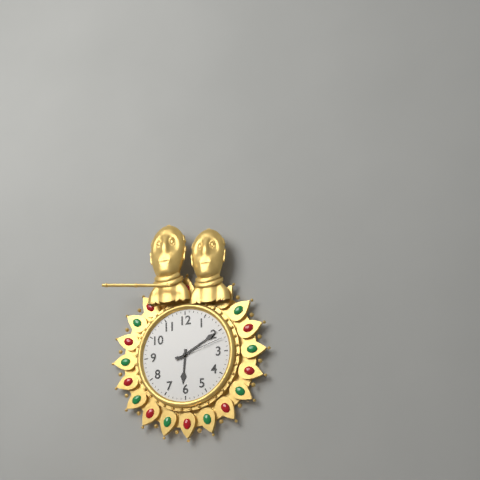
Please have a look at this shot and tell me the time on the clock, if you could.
6:10:12
